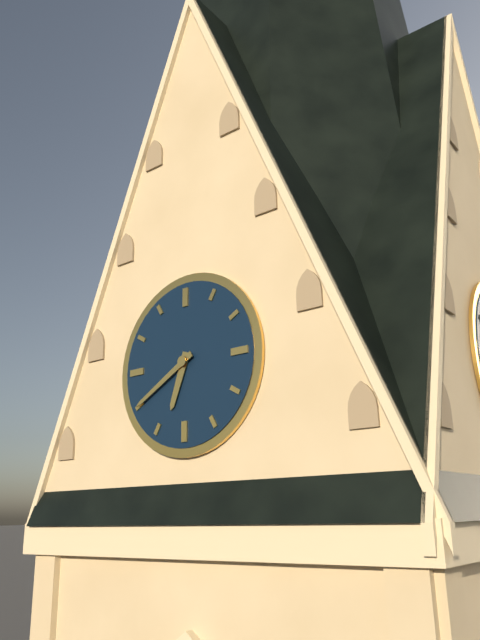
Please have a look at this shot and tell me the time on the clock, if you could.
6:40
